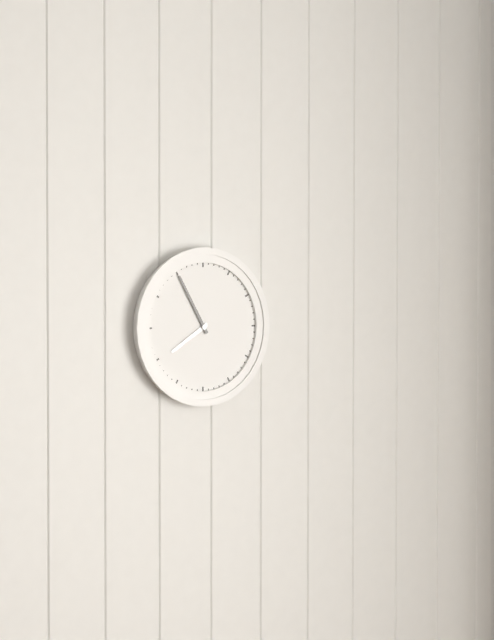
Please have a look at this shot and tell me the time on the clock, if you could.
7:55
